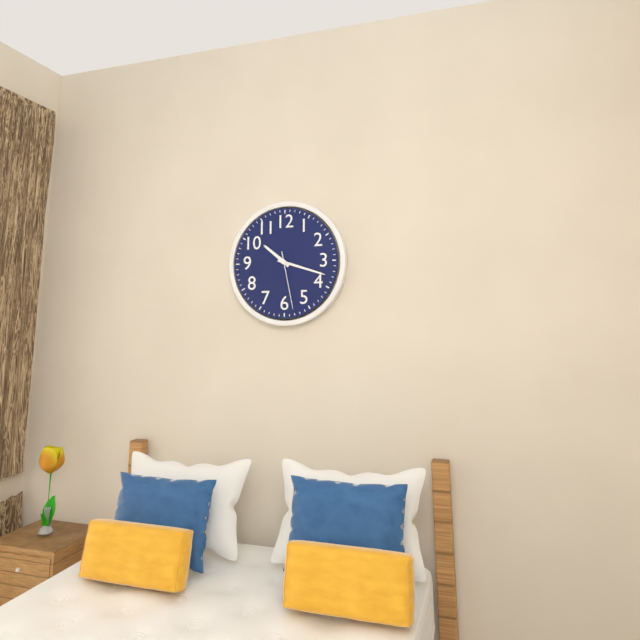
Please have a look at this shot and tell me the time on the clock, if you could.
10:18:28
